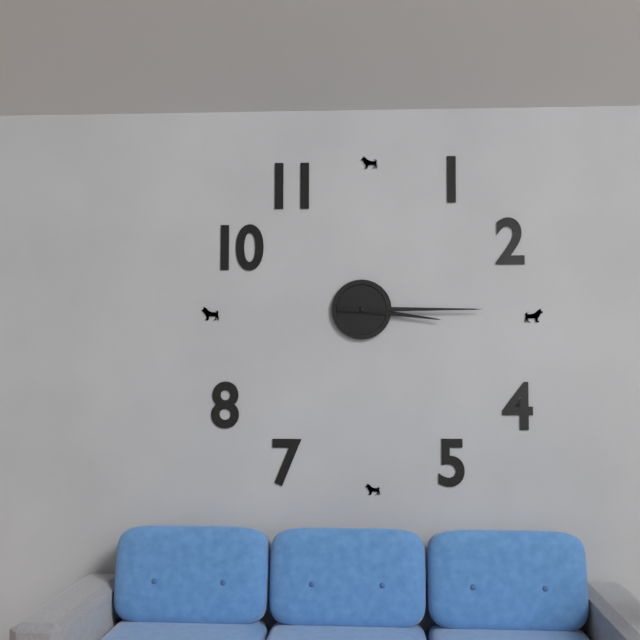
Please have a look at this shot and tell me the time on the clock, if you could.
3:15
